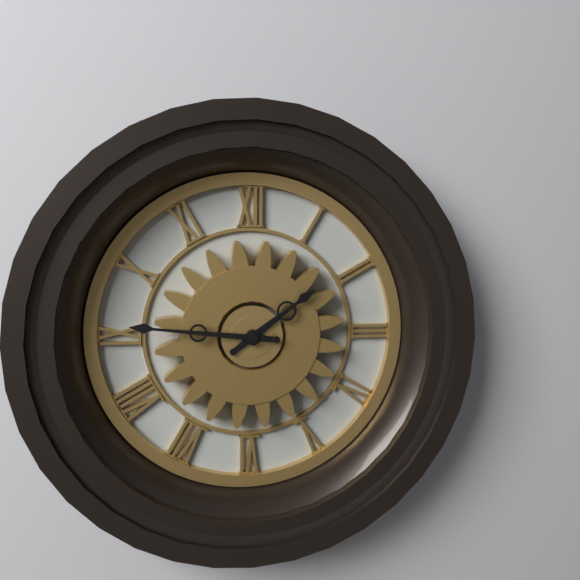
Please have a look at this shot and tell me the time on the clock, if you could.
1:46
